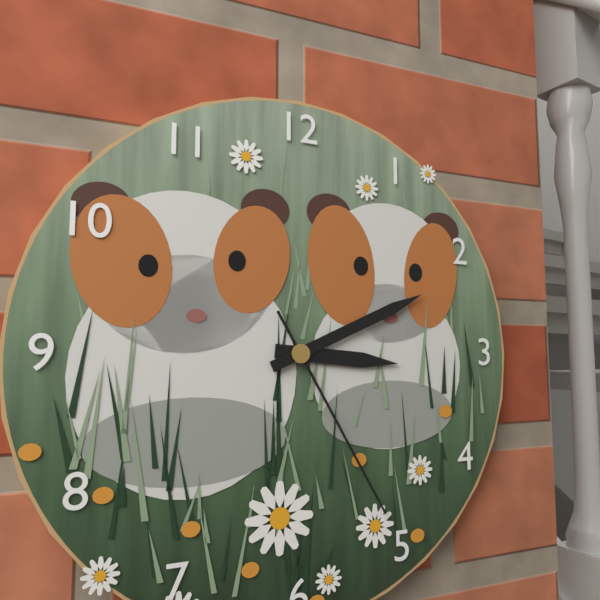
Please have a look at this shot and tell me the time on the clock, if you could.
3:11:25
